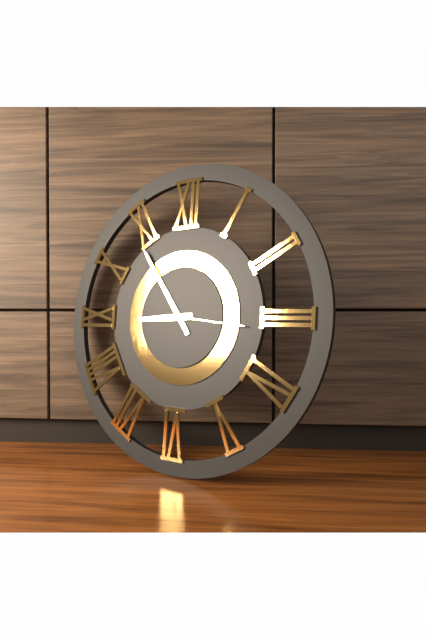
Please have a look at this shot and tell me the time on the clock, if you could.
8:54:16
